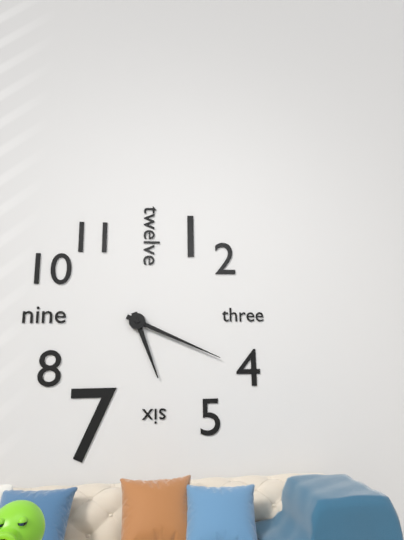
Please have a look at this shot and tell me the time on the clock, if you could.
5:19
